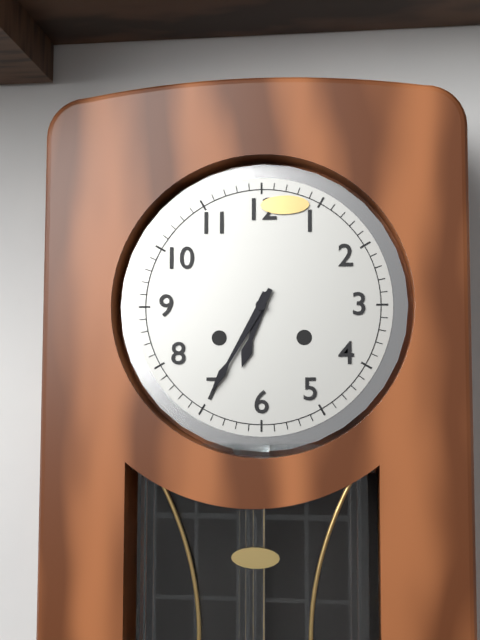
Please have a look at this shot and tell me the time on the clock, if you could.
6:35
